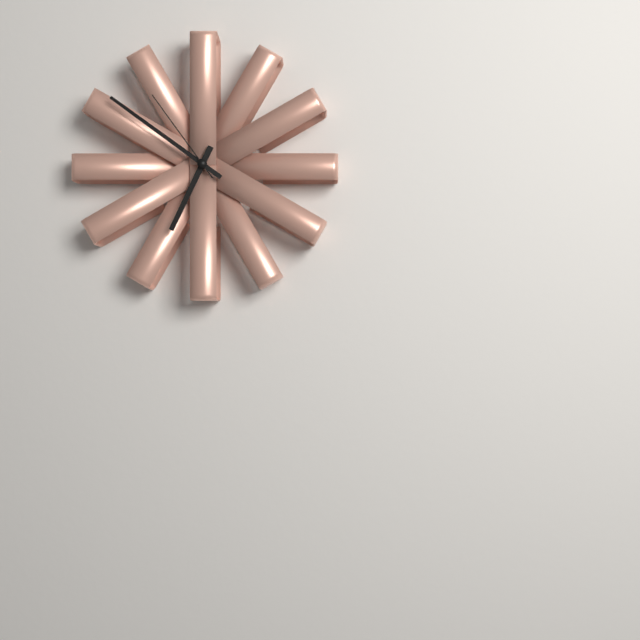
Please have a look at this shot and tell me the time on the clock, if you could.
6:51:54
